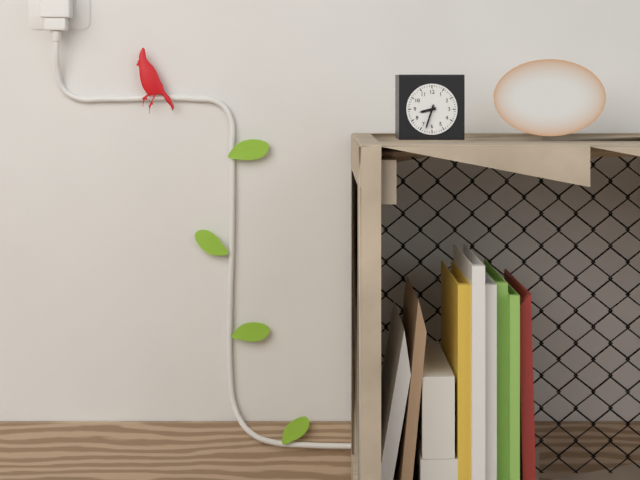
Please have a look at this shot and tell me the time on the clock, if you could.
8:33
